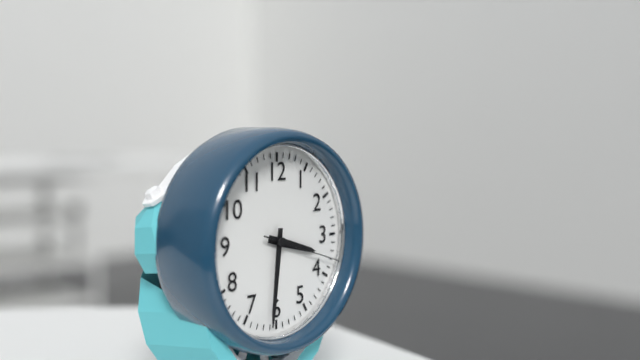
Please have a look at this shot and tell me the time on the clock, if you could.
3:31:18
